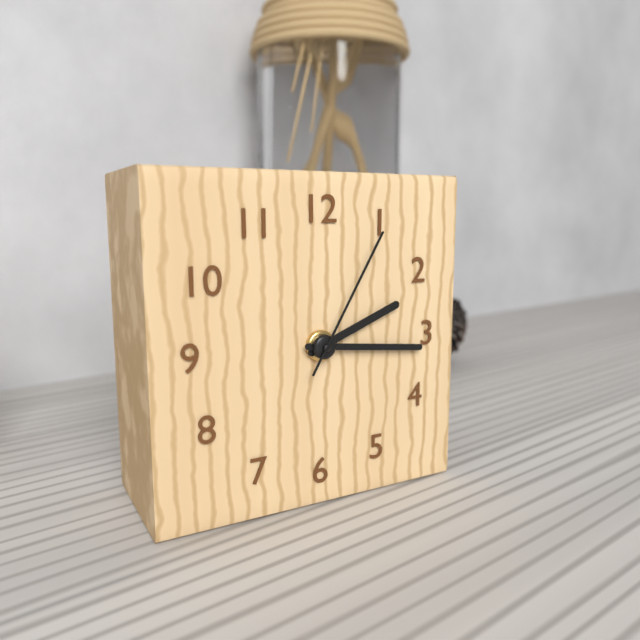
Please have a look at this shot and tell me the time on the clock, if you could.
2:16:05
